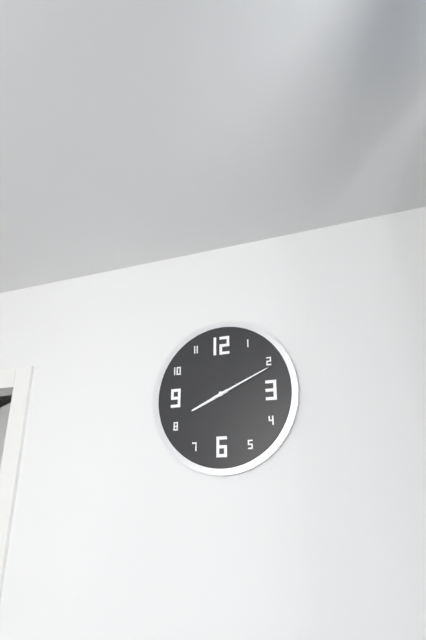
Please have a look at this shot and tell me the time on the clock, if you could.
8:11
